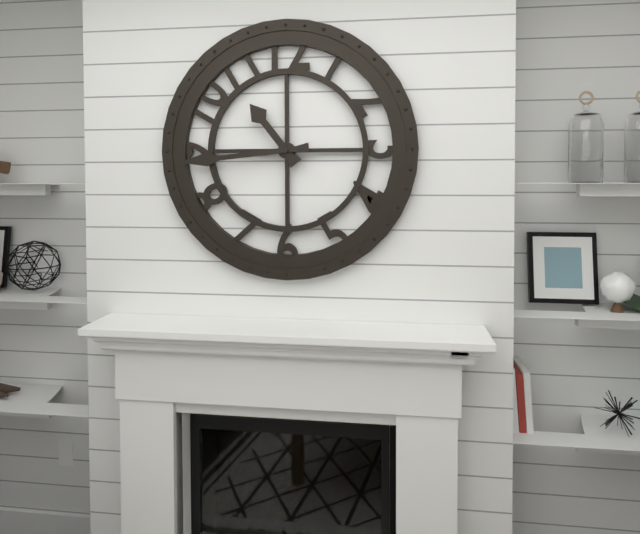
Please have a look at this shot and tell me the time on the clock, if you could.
10:44
